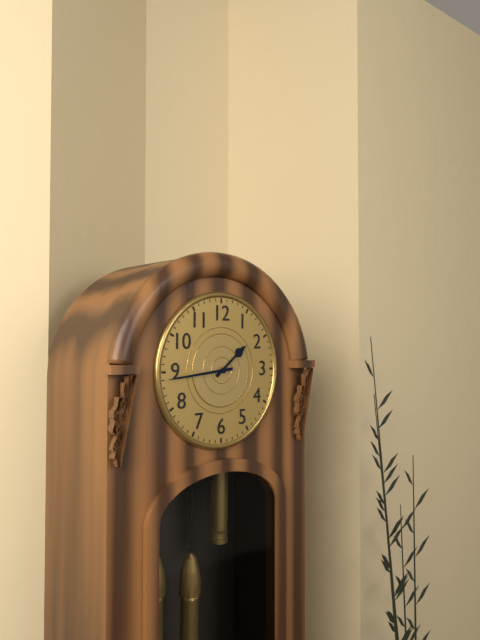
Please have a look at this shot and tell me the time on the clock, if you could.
1:44
